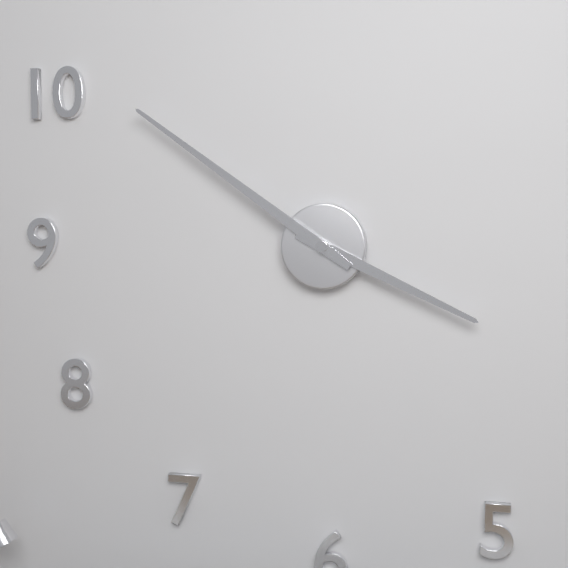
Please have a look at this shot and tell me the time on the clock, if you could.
3:51
